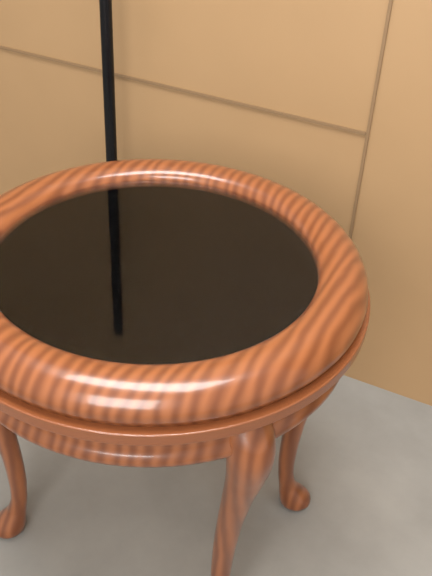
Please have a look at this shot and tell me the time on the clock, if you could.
4:54
